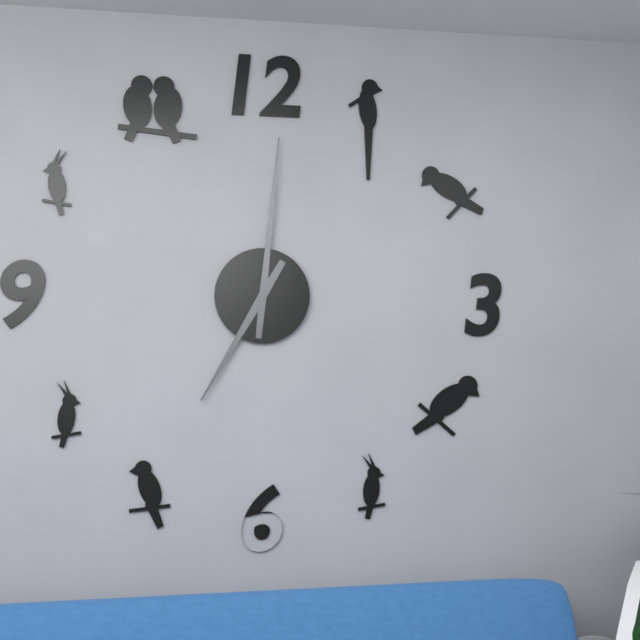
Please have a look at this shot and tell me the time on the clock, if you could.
7:01
